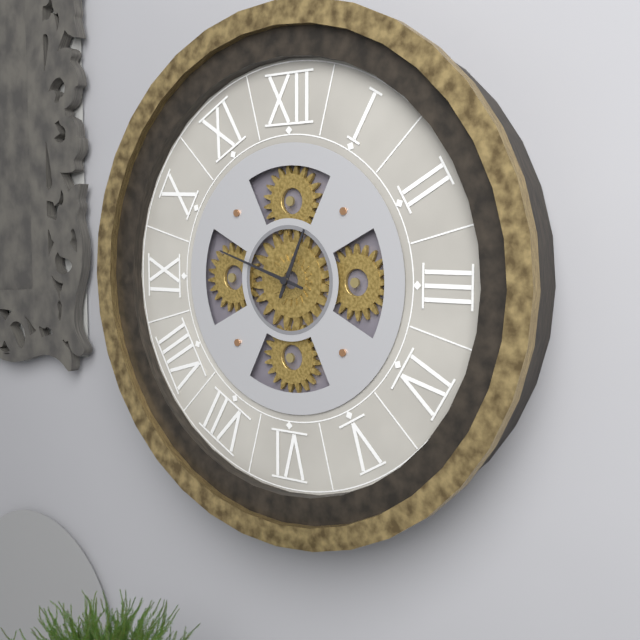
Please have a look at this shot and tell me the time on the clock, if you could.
12:48
